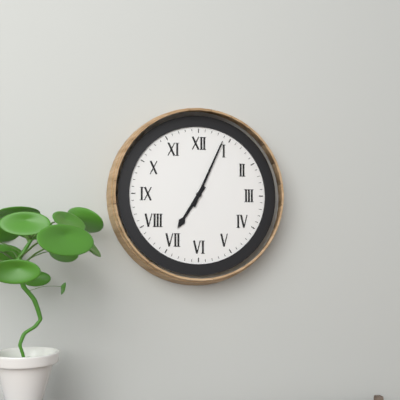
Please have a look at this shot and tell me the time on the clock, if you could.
7:04
